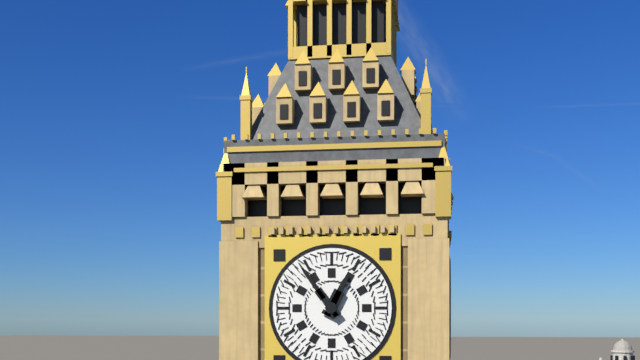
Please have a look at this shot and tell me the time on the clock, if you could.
12:54
